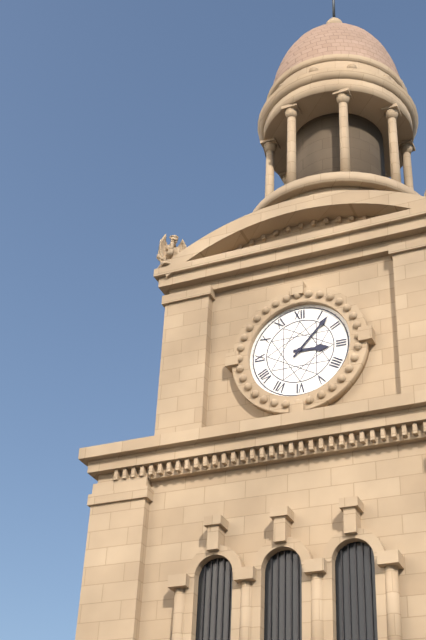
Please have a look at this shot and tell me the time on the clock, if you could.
3:07
